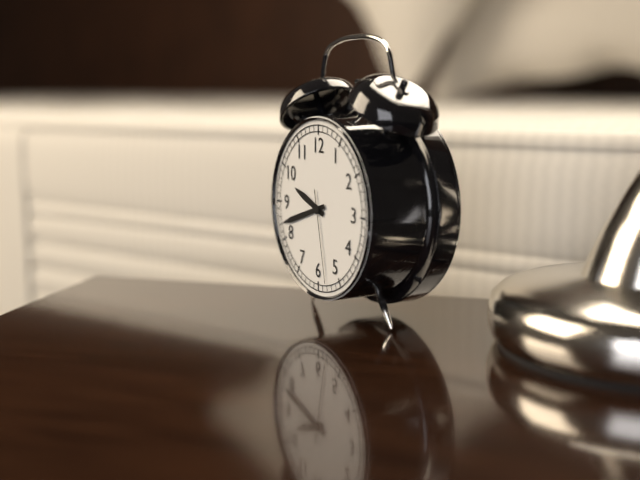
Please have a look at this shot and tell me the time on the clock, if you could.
9:42:28
